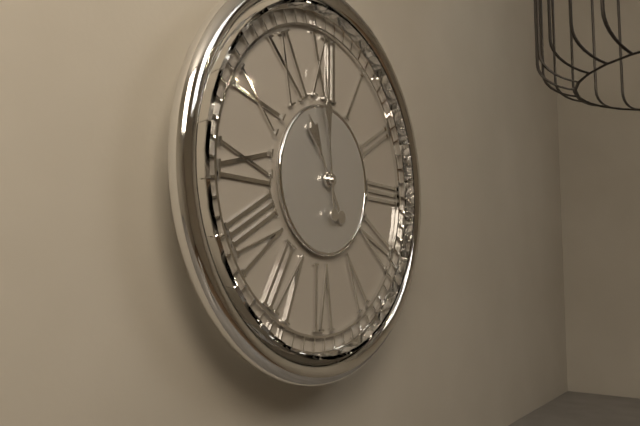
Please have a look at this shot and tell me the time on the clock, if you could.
10:59
